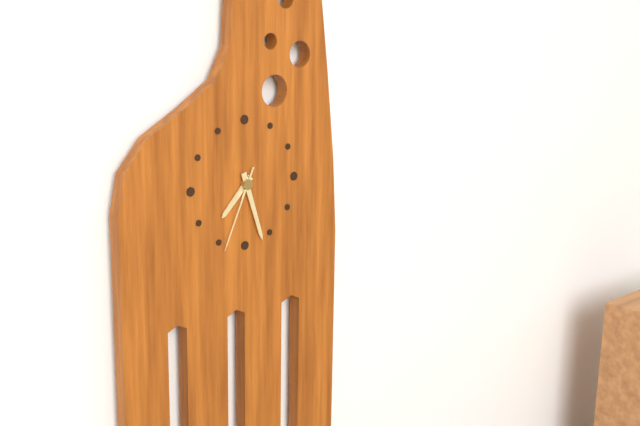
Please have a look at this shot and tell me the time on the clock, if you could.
7:27:34
